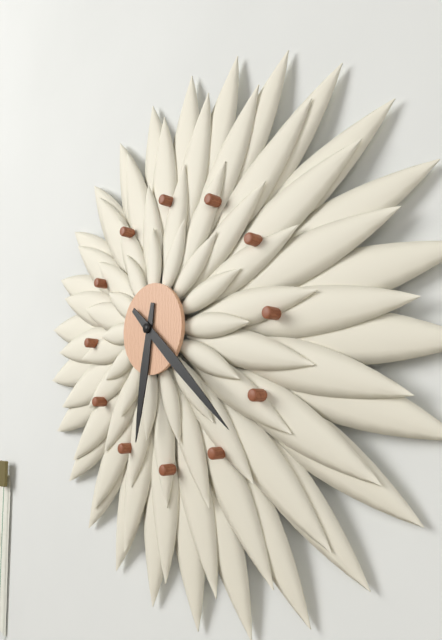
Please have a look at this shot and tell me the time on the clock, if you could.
6:22
